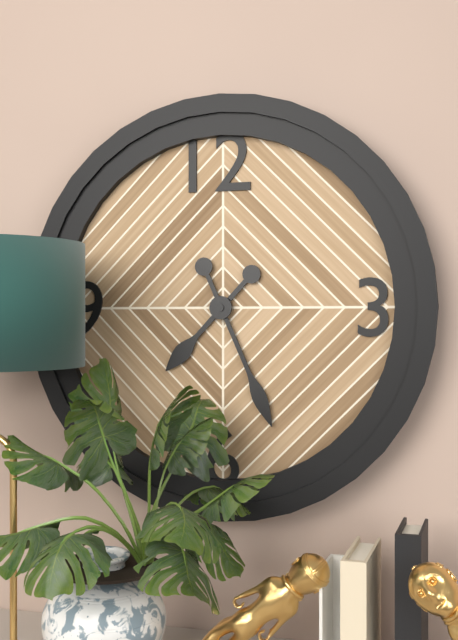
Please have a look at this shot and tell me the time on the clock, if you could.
7:26
